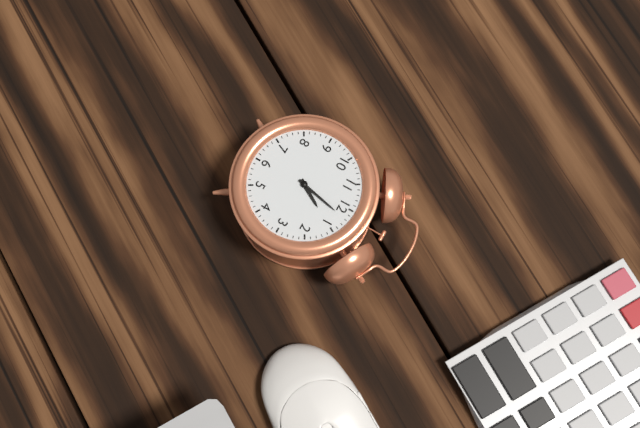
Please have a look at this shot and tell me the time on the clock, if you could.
1:02
